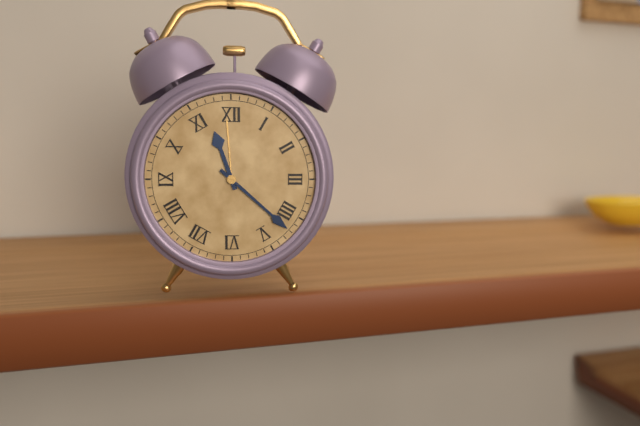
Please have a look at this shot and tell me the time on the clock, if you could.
11:22
